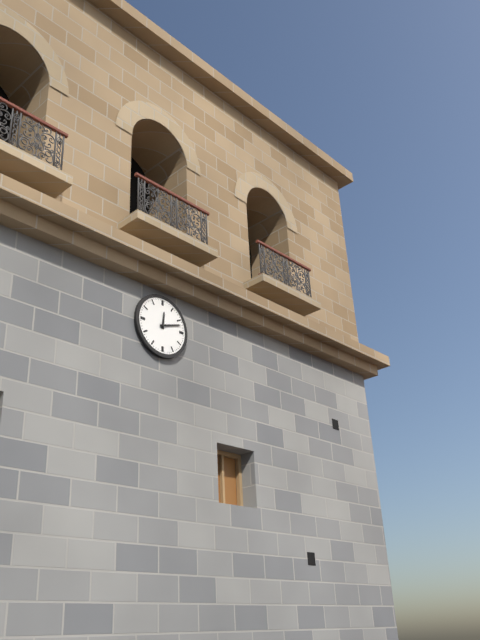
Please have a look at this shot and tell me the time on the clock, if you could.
12:12
